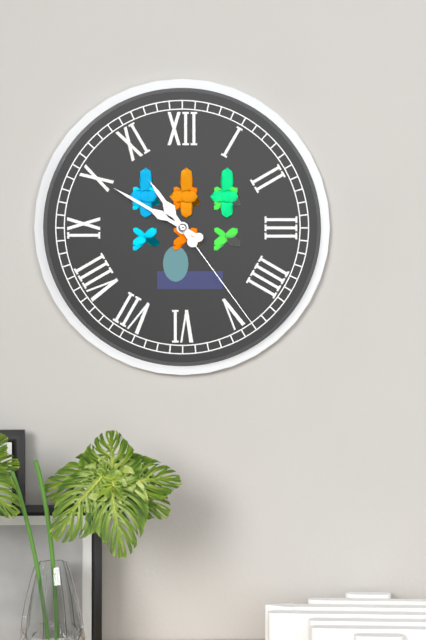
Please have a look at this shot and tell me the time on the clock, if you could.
10:50:24
